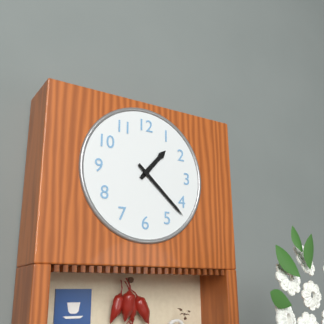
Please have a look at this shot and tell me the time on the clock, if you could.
1:22
